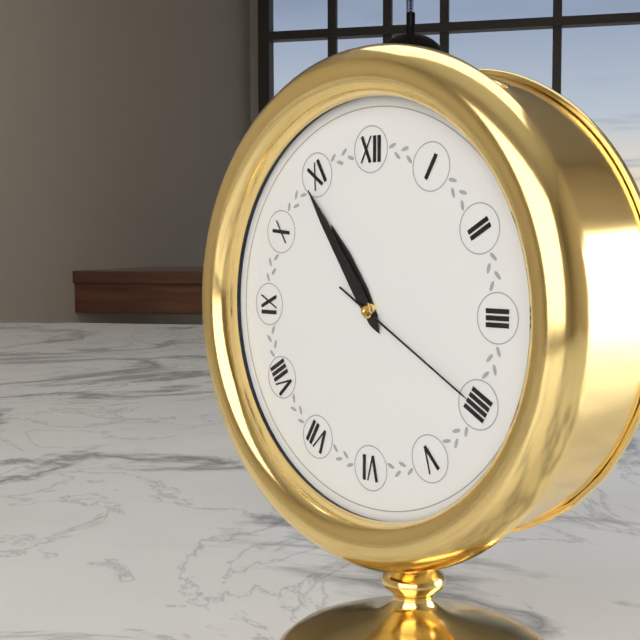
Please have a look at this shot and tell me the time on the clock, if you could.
10:54:20
